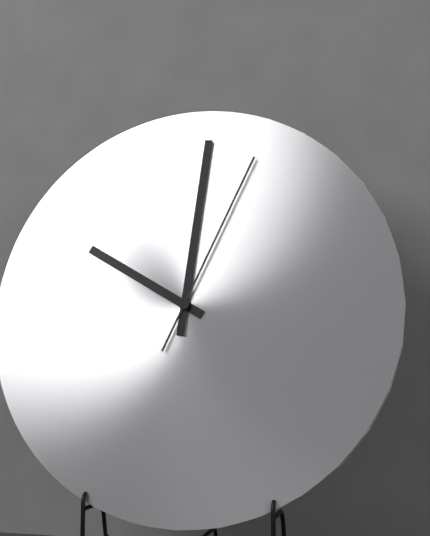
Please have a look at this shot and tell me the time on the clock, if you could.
10:01:04
